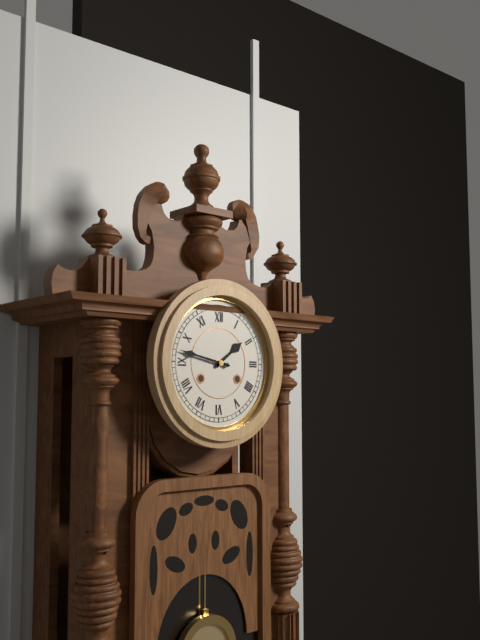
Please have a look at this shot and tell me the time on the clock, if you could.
1:47
